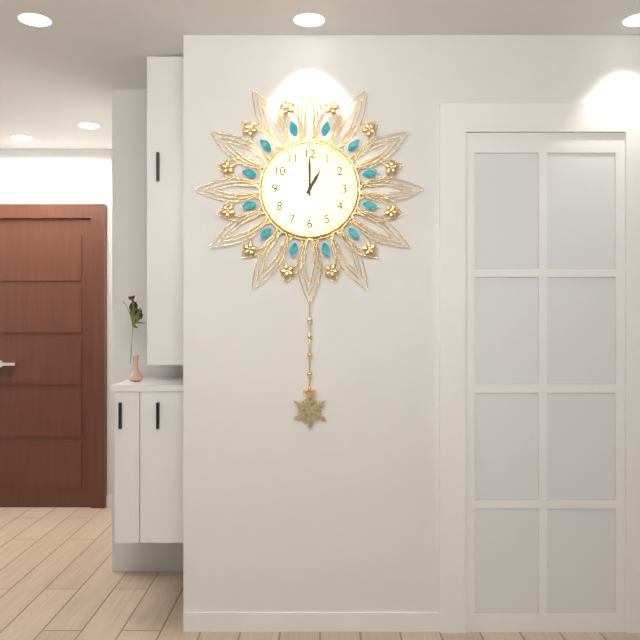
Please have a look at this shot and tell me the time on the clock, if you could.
1:00
